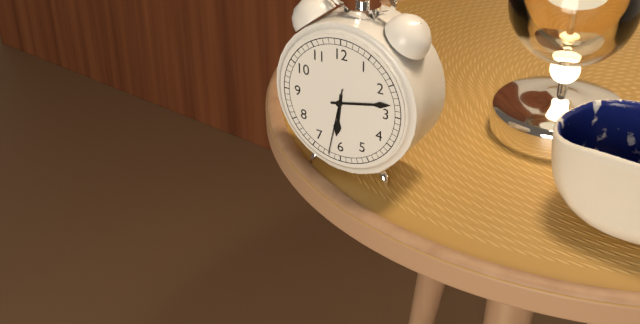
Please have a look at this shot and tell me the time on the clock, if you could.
6:13:32
